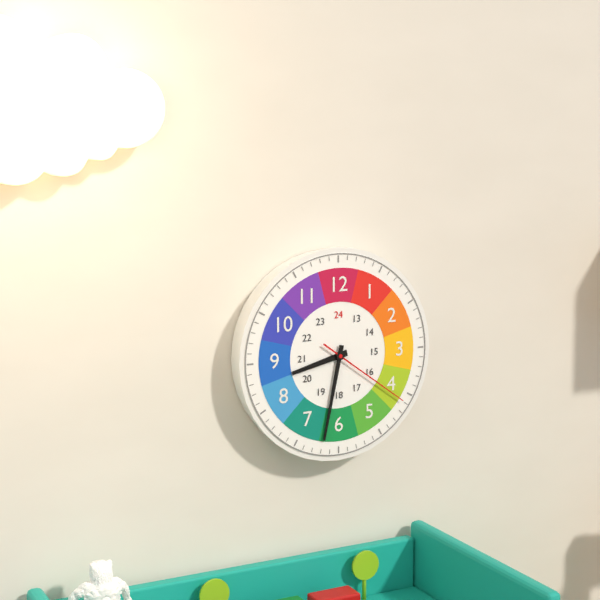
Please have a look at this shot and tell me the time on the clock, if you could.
8:32:21
